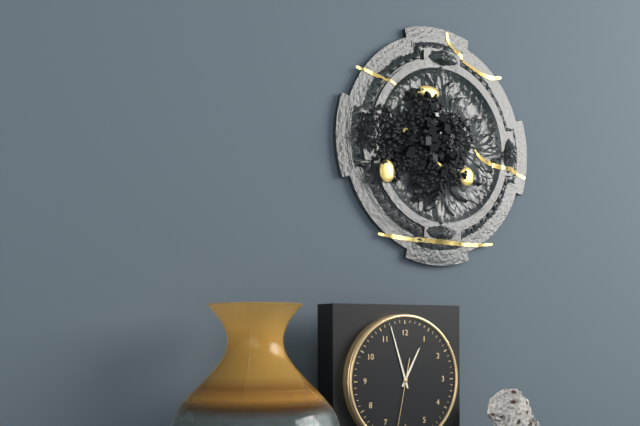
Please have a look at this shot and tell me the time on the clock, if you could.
12:57
